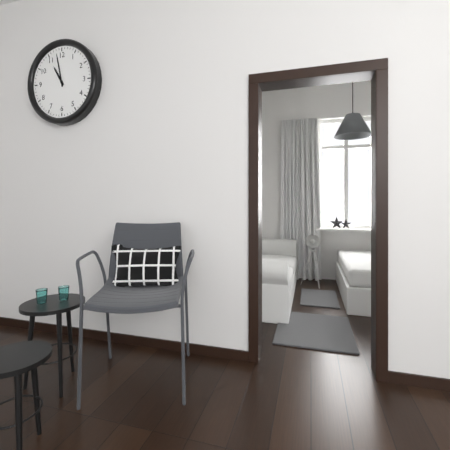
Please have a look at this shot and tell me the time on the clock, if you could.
10:58
